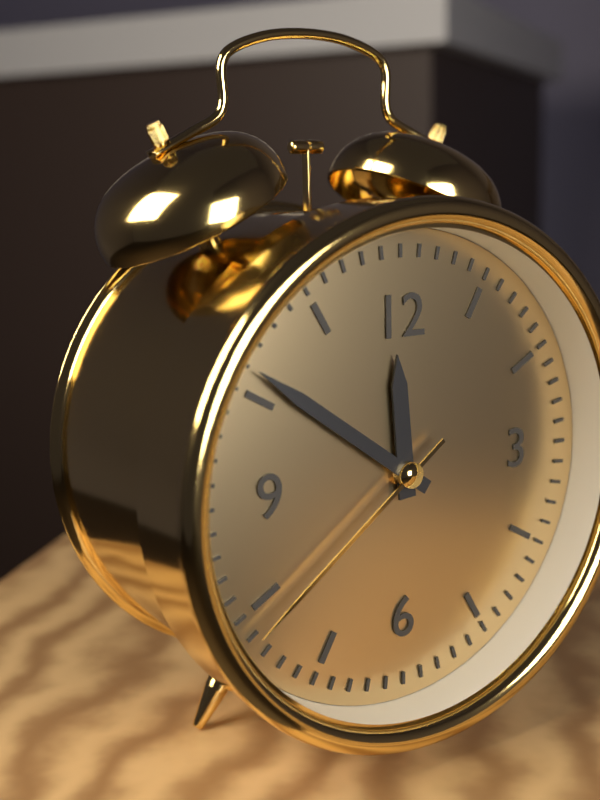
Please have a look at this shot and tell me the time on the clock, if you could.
11:51:39
